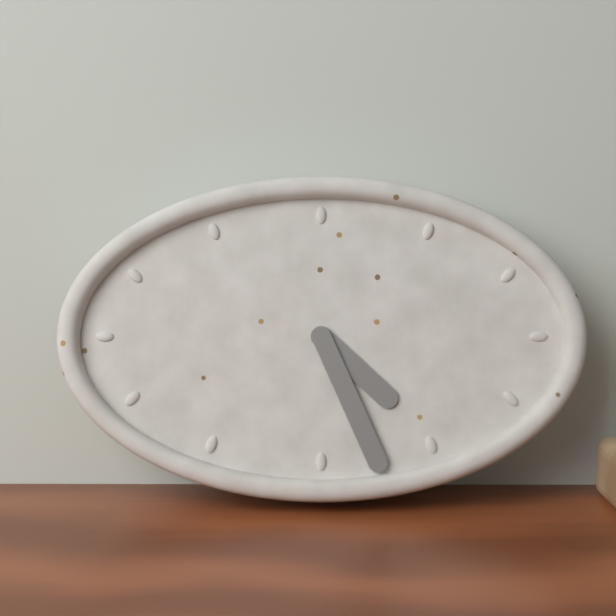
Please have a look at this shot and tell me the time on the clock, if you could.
4:26
